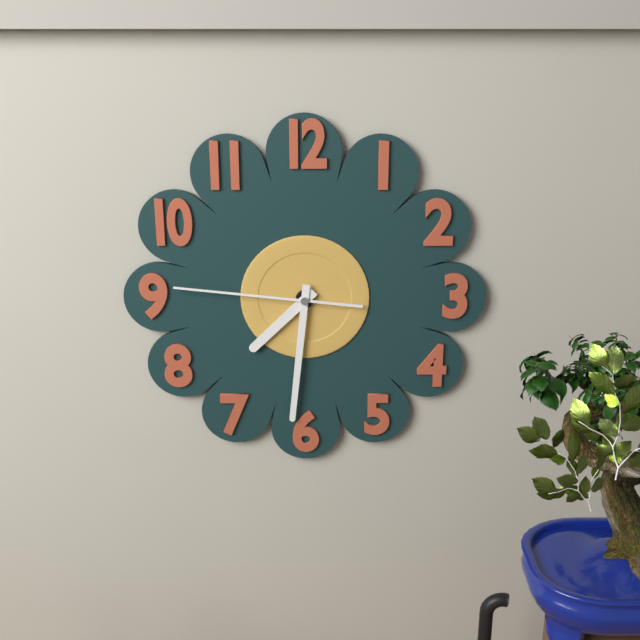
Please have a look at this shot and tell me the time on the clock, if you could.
7:31:46
